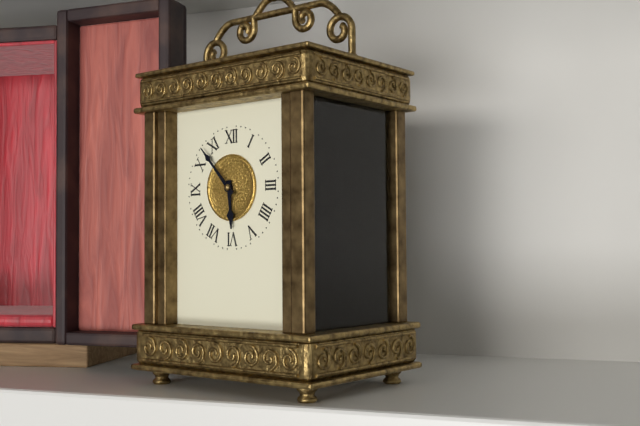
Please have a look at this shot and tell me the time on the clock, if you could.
5:53
